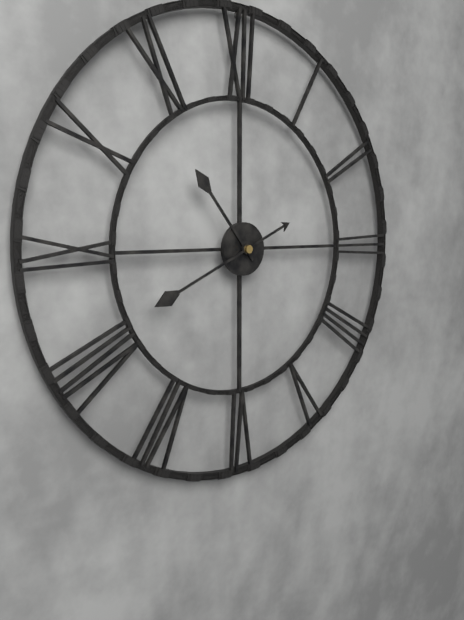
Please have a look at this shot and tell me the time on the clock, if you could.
10:41
